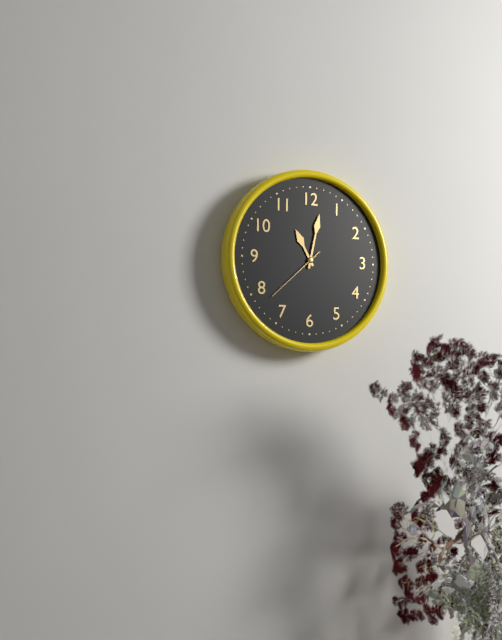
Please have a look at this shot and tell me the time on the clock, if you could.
11:02:38
